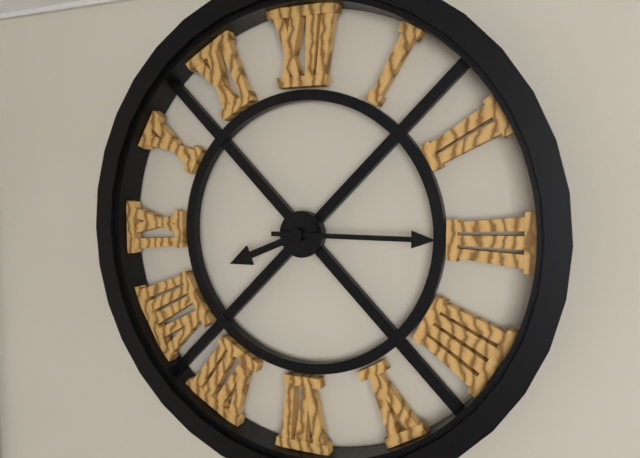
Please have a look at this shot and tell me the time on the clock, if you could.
8:15
